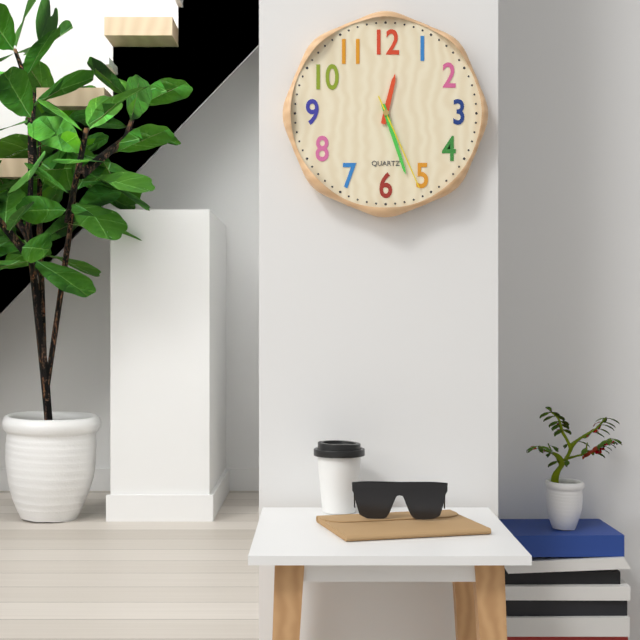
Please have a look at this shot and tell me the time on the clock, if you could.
12:27:26
